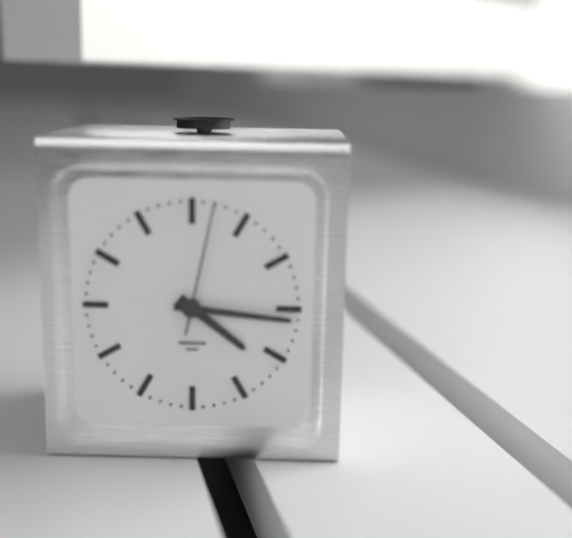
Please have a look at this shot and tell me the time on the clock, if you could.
4:16:02
